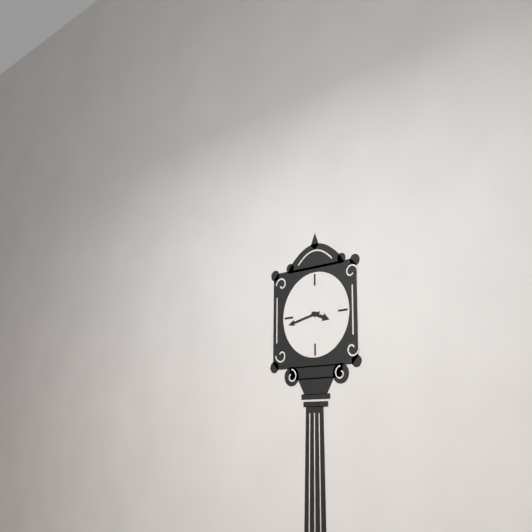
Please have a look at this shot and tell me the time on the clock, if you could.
3:43
